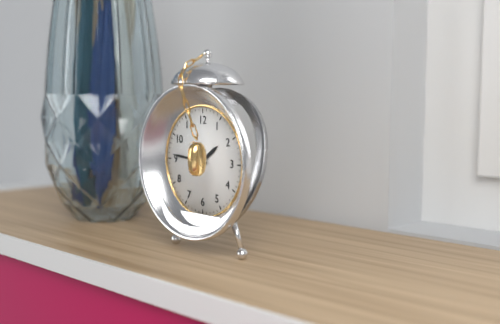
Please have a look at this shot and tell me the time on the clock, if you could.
1:46
